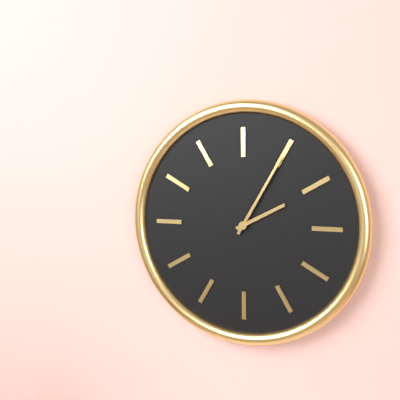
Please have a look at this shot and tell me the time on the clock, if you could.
2:05
